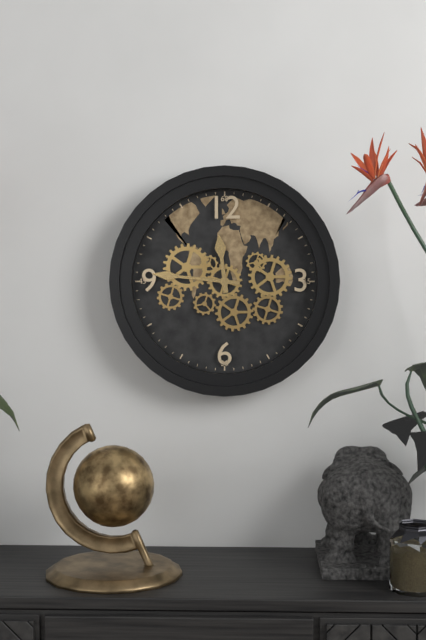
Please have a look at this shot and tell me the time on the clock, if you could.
11:46
